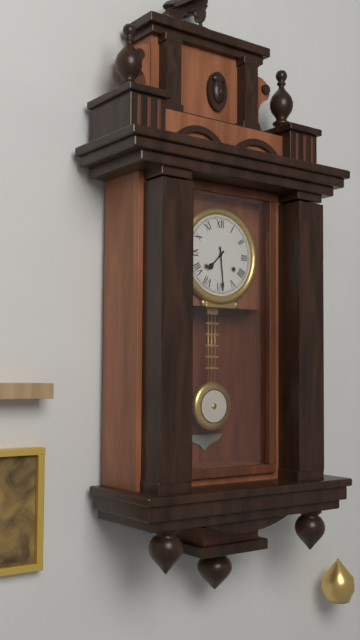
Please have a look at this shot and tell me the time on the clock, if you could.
7:29
